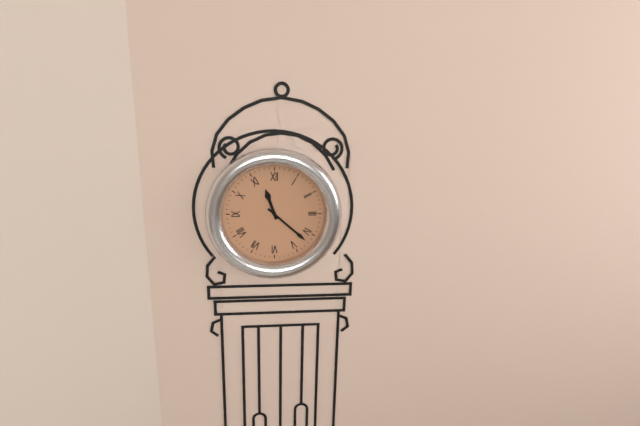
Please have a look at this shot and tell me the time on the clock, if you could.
11:22
